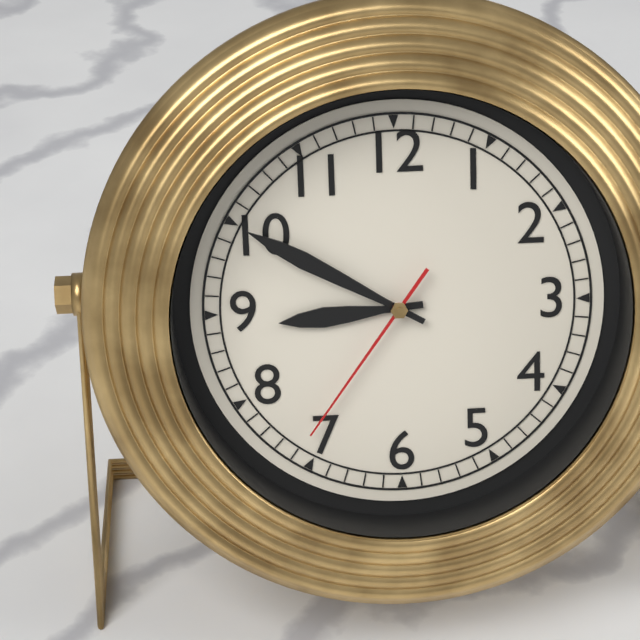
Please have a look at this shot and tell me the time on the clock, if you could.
8:50:36
